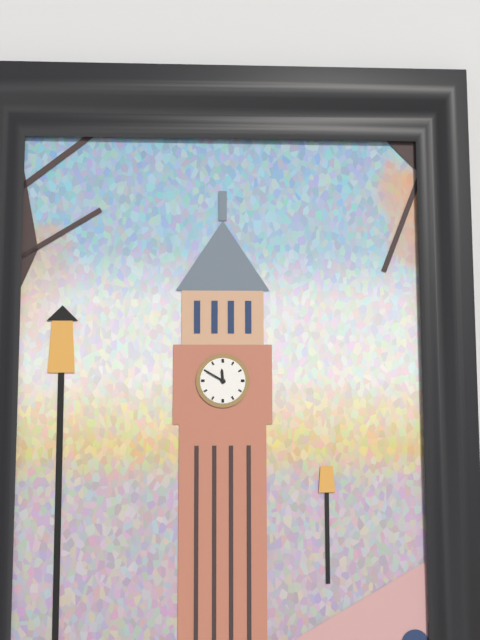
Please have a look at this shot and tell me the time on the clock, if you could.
11:50
